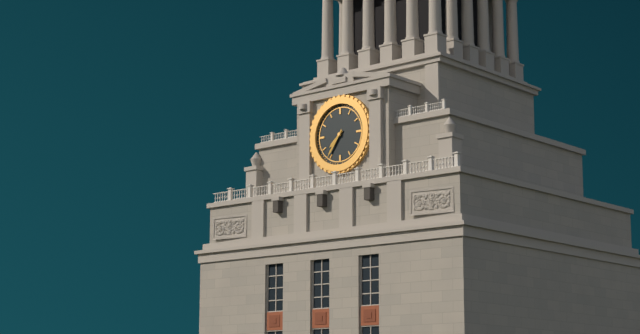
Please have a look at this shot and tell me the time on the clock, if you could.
7:36
